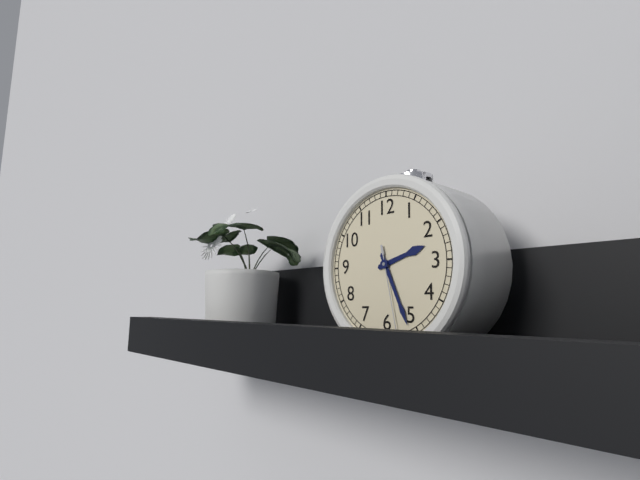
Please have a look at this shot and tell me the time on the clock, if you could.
2:26:28
